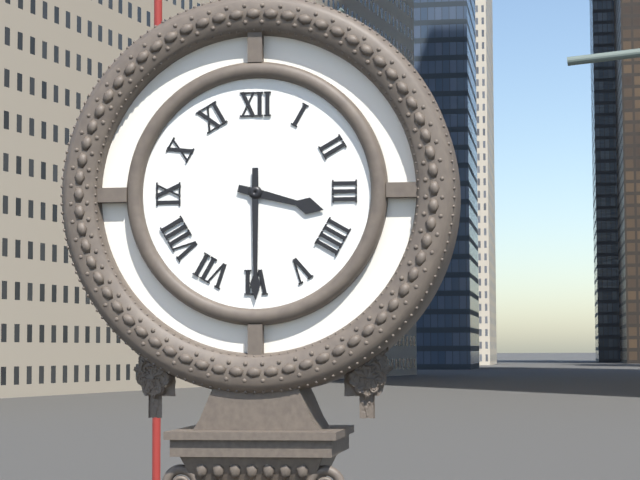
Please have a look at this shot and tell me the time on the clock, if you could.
3:30
